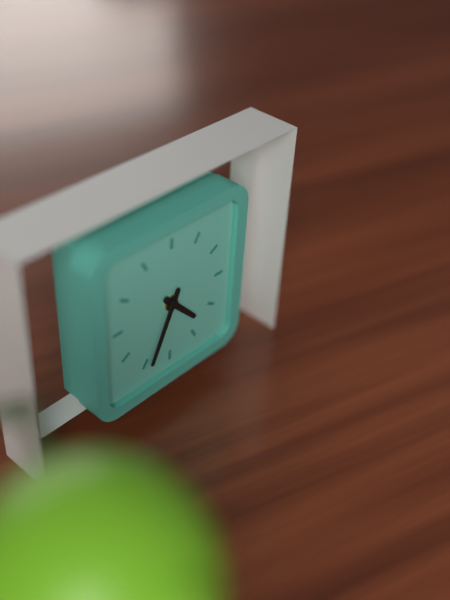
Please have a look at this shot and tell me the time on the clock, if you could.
4:34
